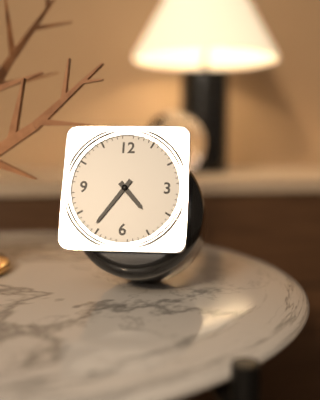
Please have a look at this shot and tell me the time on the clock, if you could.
4:36
